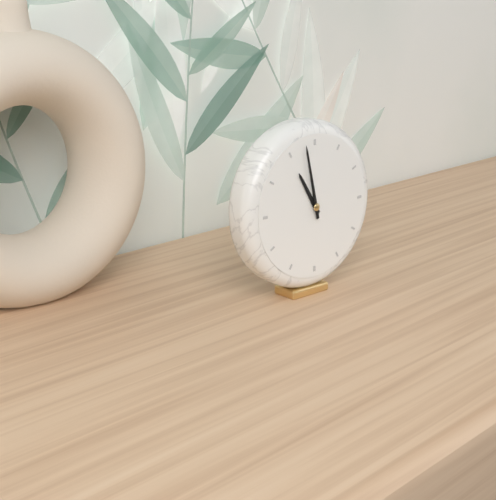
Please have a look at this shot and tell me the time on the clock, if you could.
10:58
